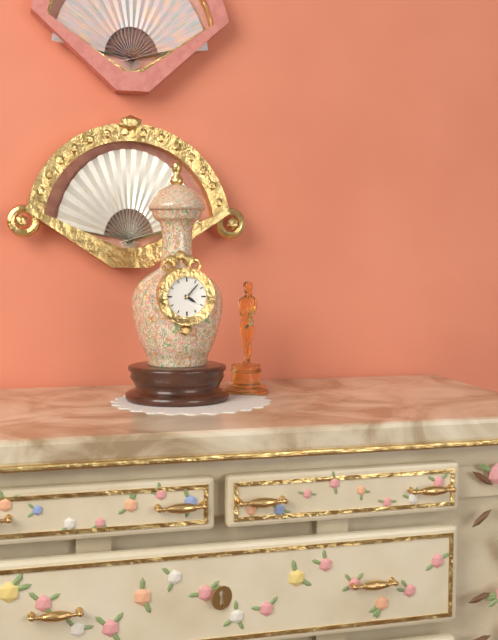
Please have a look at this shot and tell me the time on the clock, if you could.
4:07
